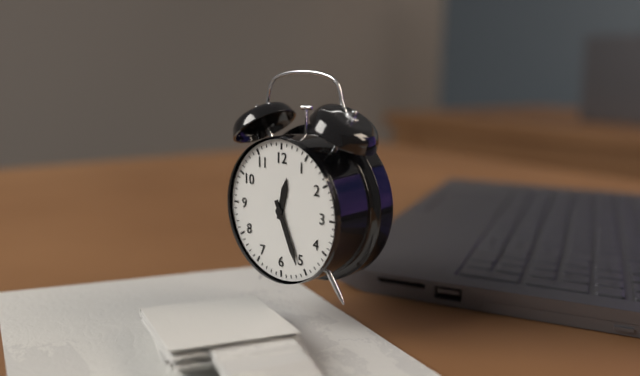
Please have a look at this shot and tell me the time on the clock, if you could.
12:26
